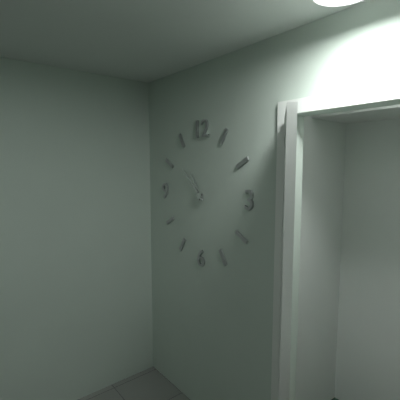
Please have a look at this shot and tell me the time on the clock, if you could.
10:52
